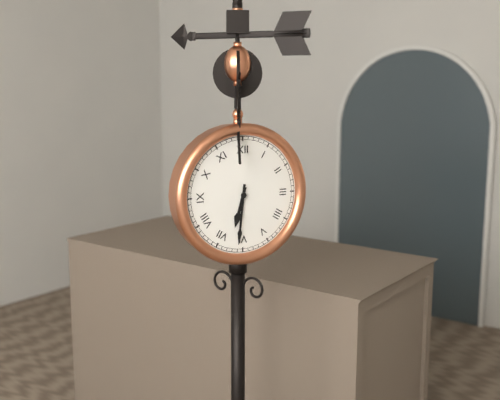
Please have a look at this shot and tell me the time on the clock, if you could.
6:31
